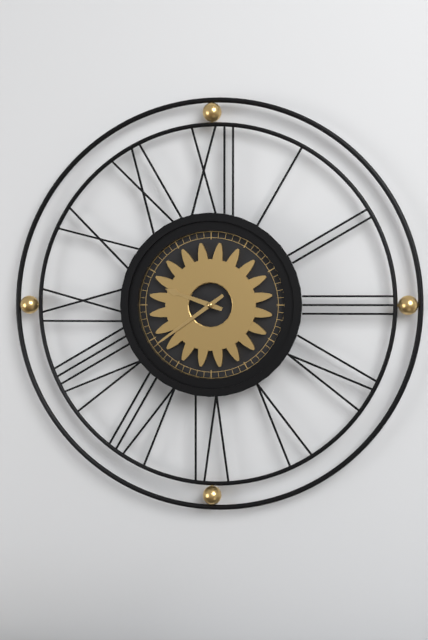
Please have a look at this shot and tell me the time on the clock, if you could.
9:39
